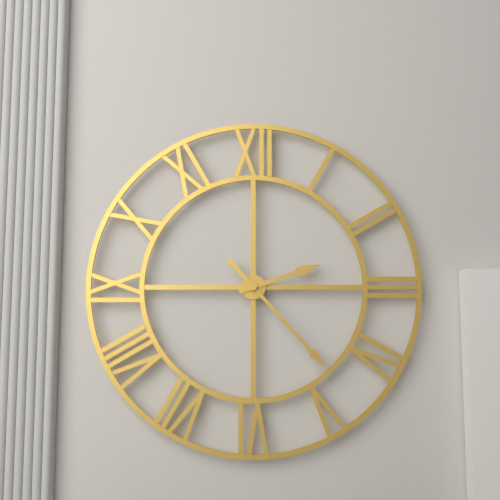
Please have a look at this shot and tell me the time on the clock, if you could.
2:23
